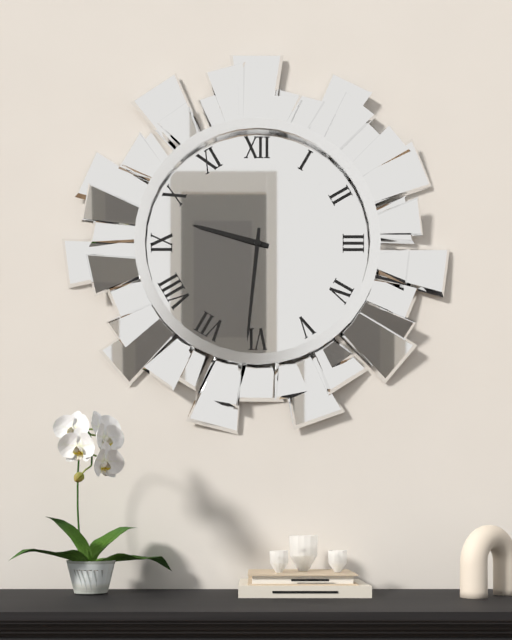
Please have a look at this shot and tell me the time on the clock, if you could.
9:31
